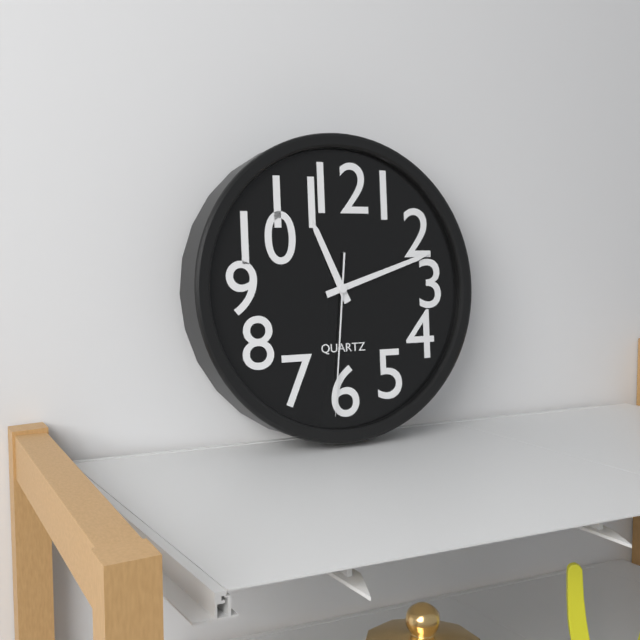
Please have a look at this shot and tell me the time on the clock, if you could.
11:12:31
